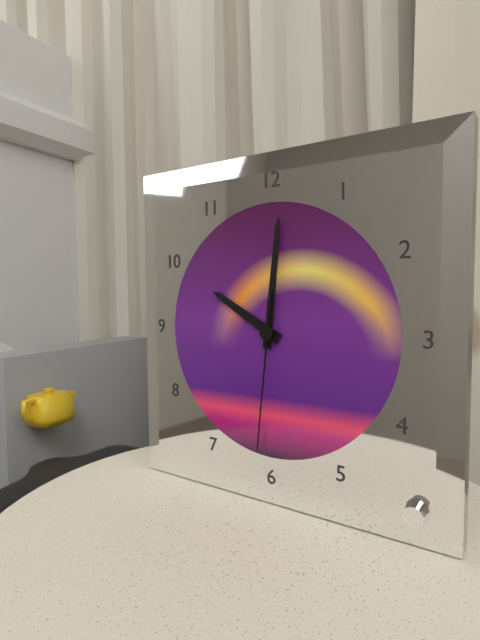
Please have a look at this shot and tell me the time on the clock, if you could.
10:01:31
